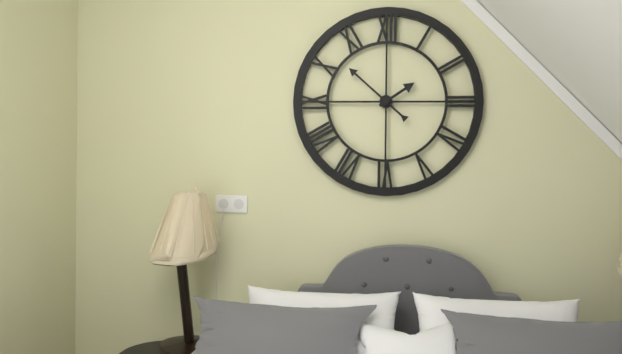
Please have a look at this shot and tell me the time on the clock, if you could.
1:52
